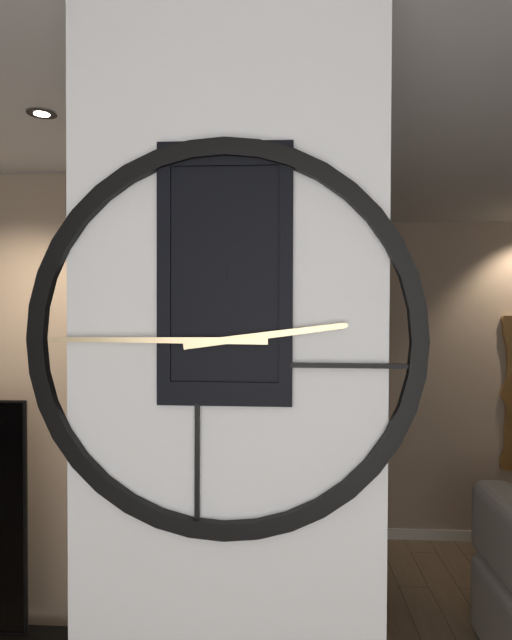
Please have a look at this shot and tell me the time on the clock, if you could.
2:45
